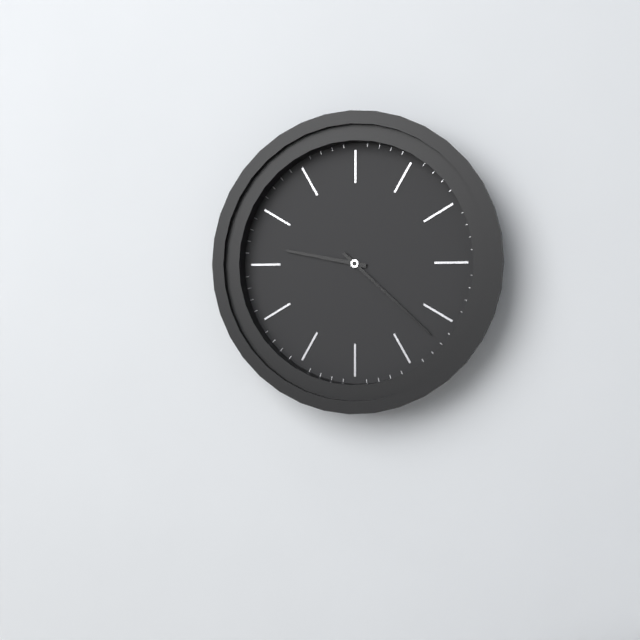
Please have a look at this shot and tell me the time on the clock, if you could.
9:22
